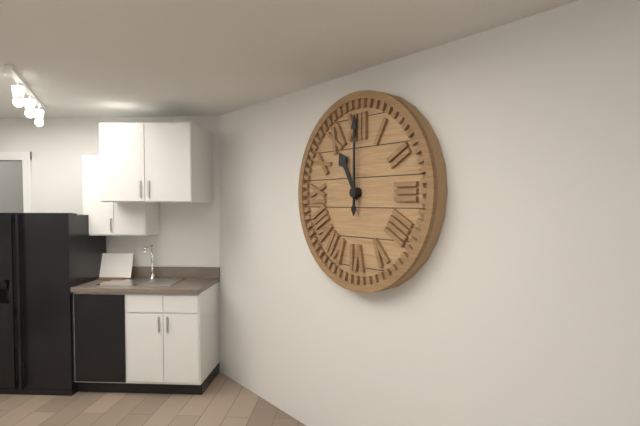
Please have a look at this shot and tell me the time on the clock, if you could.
11:00
